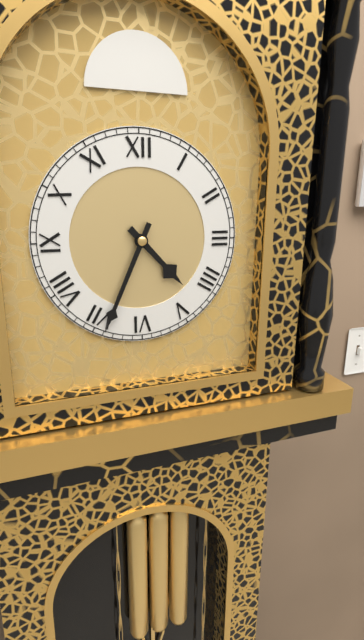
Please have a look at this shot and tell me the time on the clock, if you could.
4:34
